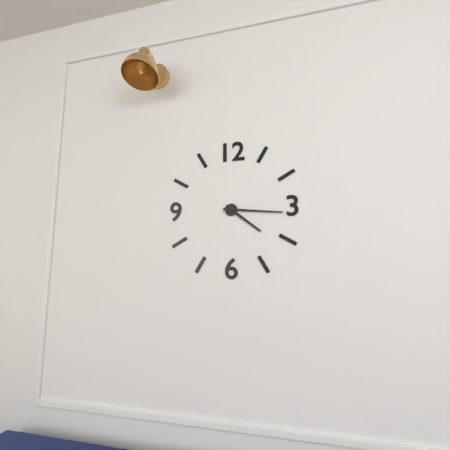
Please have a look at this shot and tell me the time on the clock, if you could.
4:16
